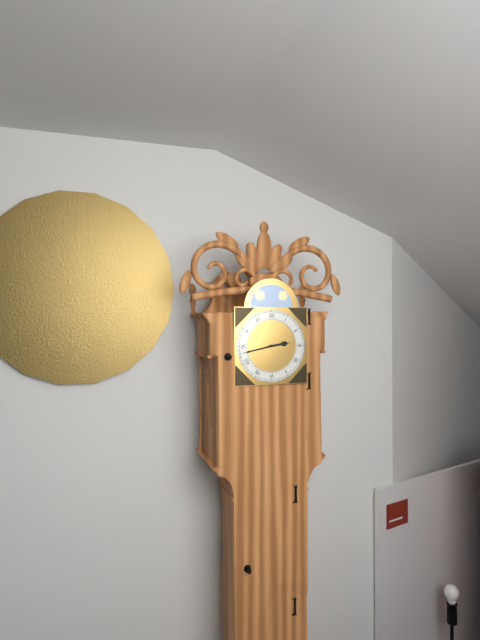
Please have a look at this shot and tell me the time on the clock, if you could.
2:43
